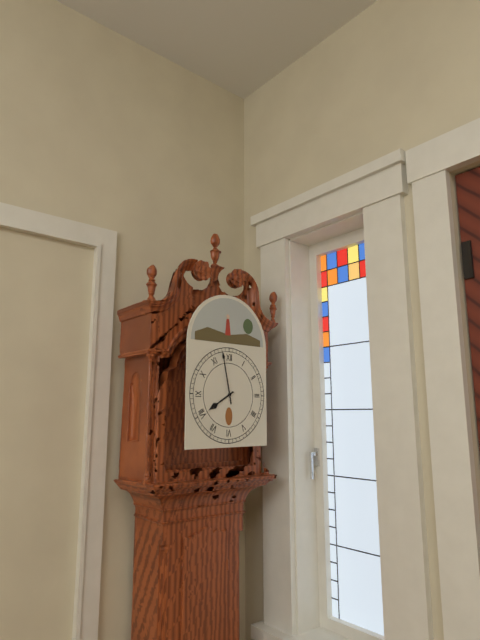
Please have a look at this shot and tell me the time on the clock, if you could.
7:58
